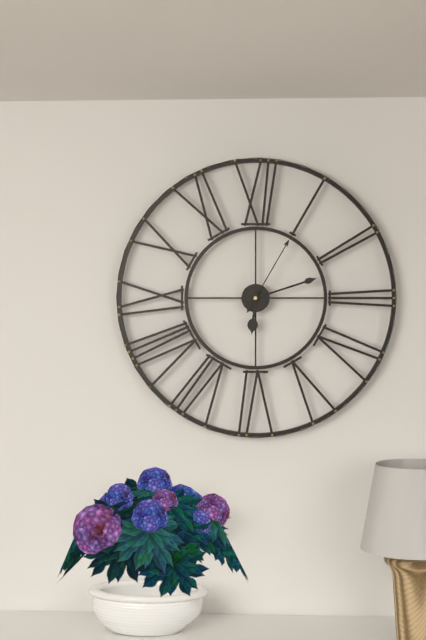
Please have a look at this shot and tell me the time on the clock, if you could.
6:12:05
